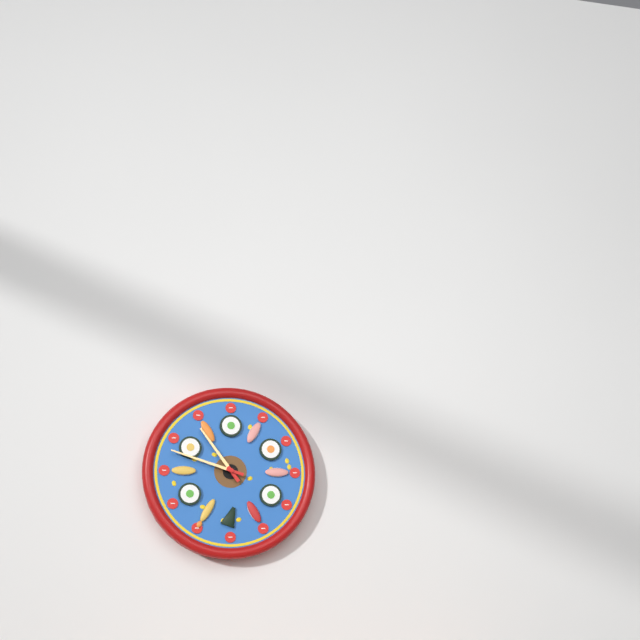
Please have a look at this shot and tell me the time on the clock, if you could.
10:48
